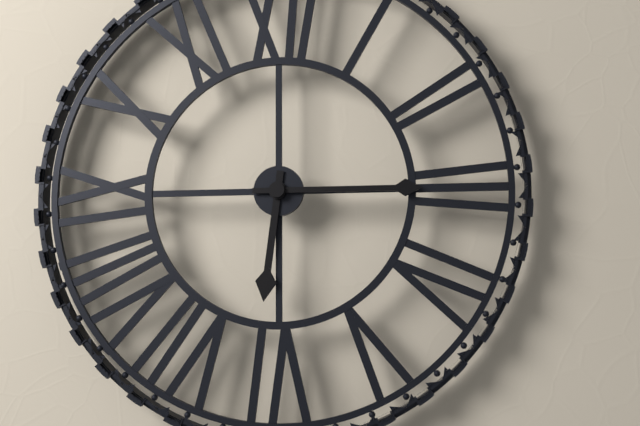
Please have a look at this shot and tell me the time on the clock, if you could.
6:15
